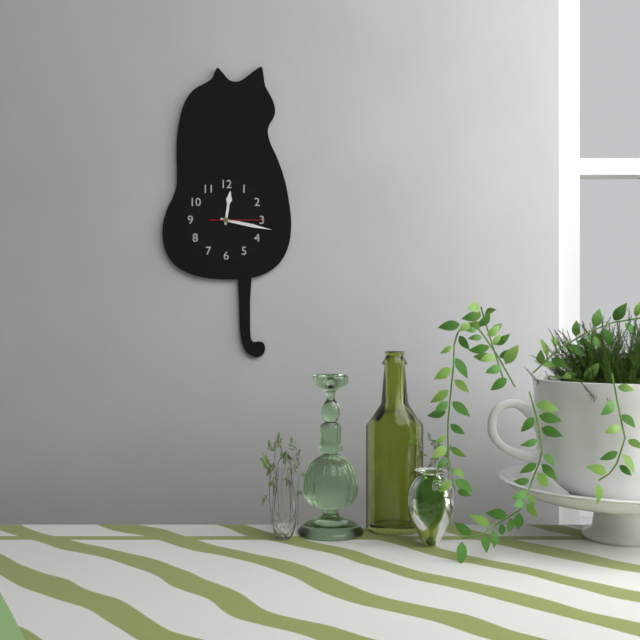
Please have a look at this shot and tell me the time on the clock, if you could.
12:17
